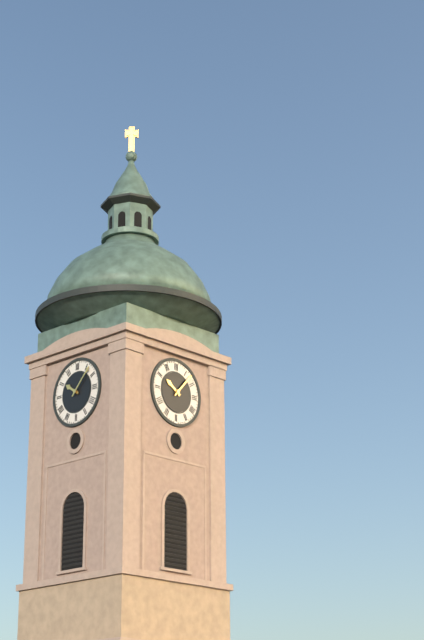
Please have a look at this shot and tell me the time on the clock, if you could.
10:07
